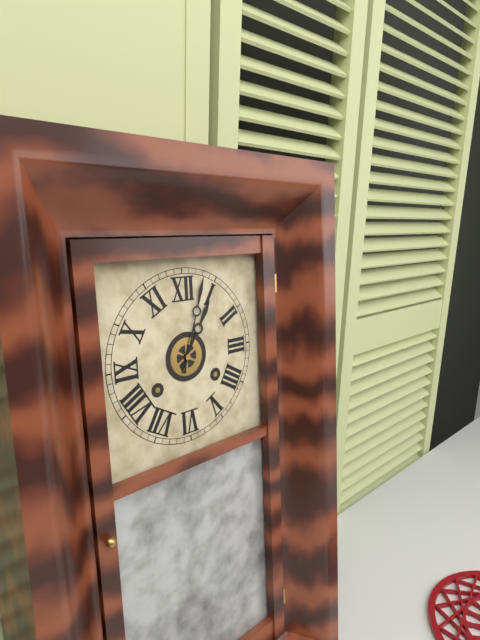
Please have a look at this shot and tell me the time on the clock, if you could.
1:03
